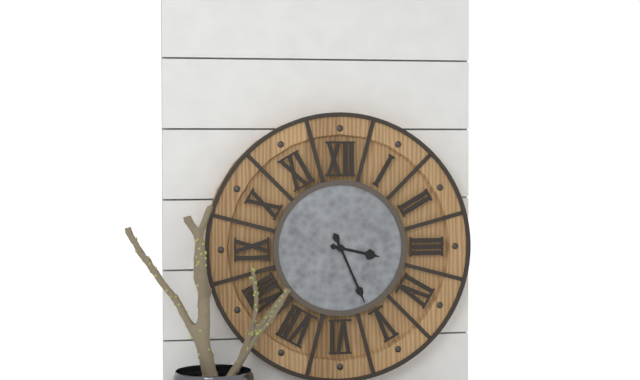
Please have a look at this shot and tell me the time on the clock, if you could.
3:26
